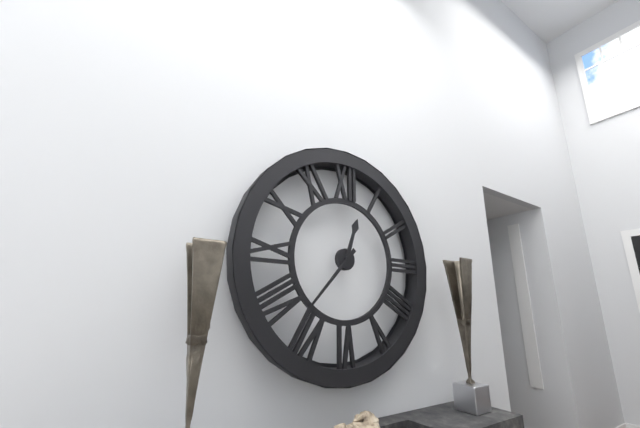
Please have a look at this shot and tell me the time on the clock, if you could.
12:37
